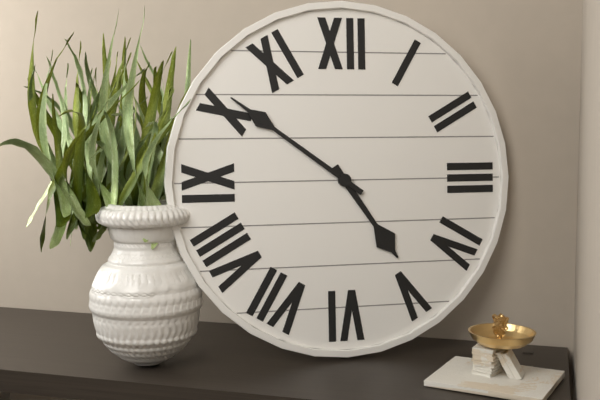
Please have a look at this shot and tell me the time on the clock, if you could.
4:51
